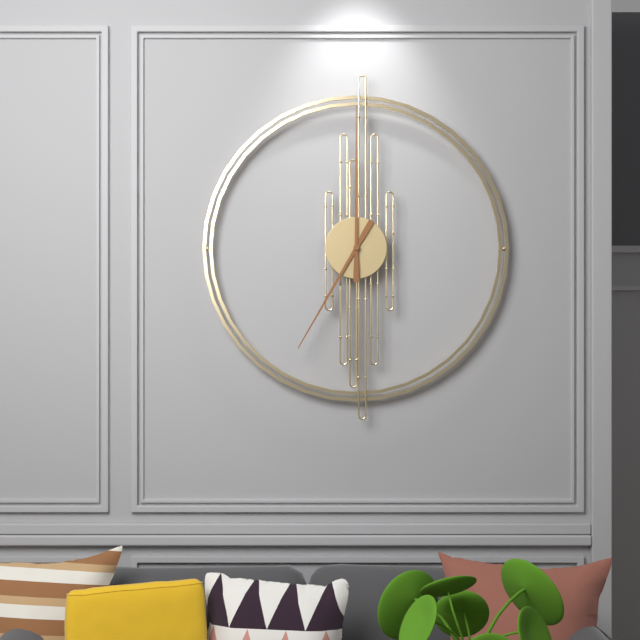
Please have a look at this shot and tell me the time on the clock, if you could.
7:00
